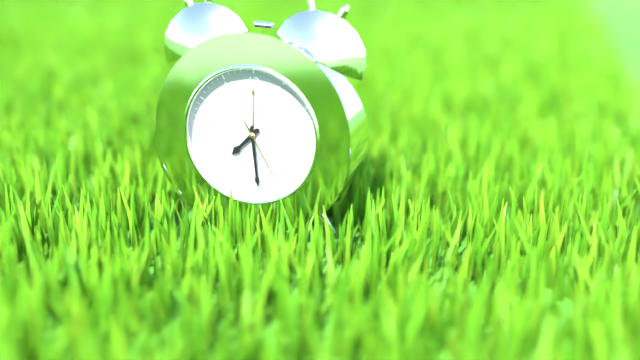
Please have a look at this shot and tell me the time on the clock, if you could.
7:29:25
